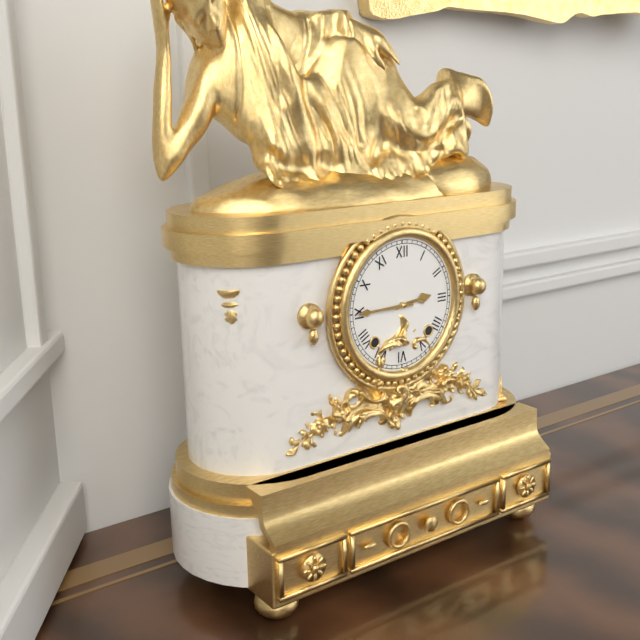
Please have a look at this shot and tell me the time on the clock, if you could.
2:45
